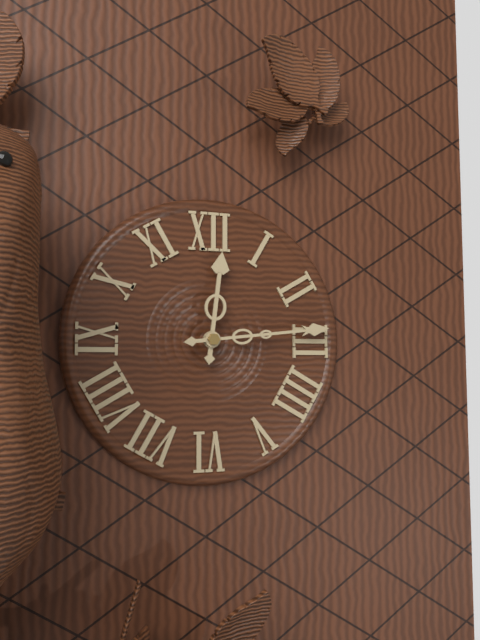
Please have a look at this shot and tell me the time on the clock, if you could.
12:14
